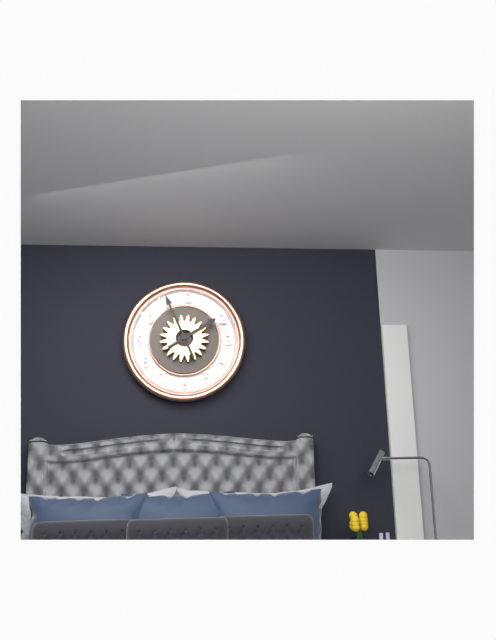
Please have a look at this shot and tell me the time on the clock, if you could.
1:56
